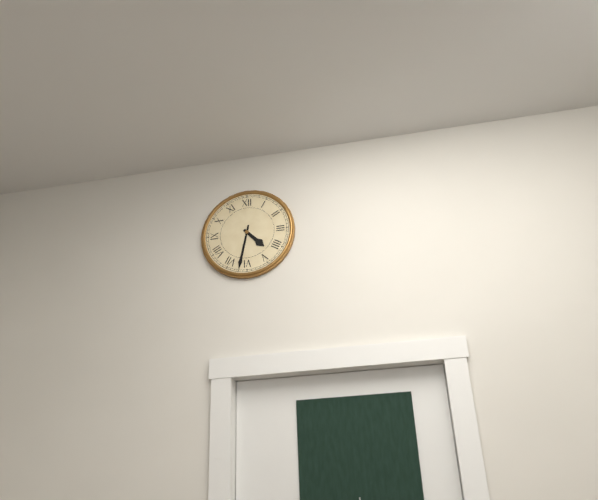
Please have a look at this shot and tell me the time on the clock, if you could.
4:32
